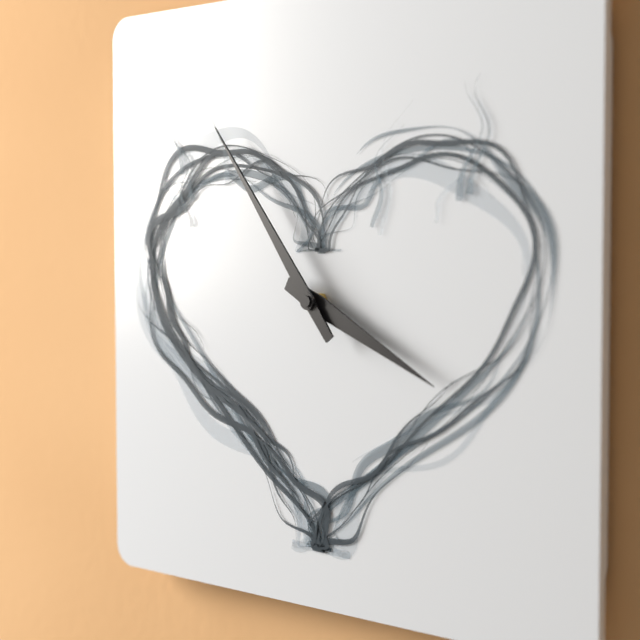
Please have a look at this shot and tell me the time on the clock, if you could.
3:54
